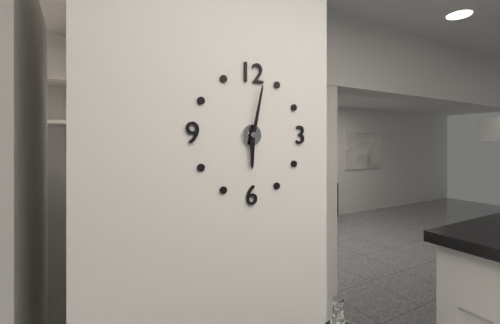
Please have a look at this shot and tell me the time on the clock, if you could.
6:02
